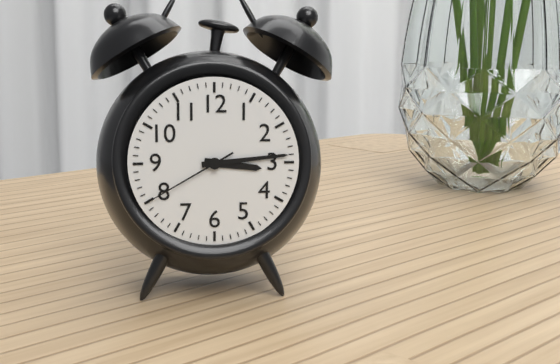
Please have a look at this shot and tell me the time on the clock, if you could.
3:14:40
